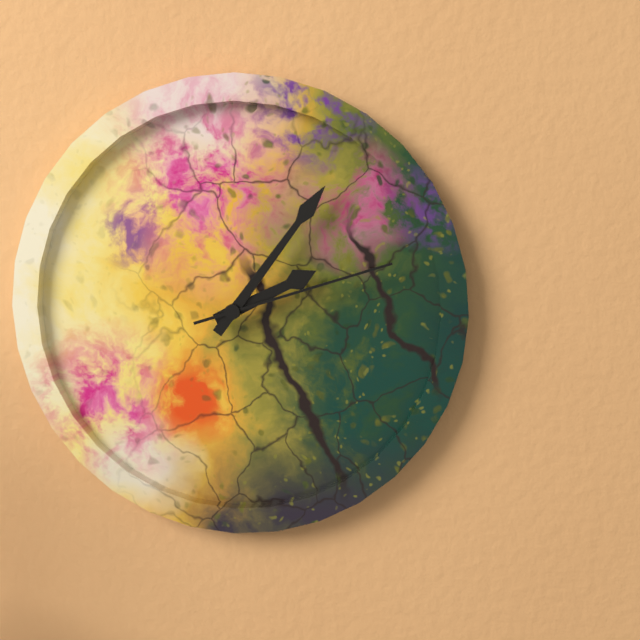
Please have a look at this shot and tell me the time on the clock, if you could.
2:06:12
